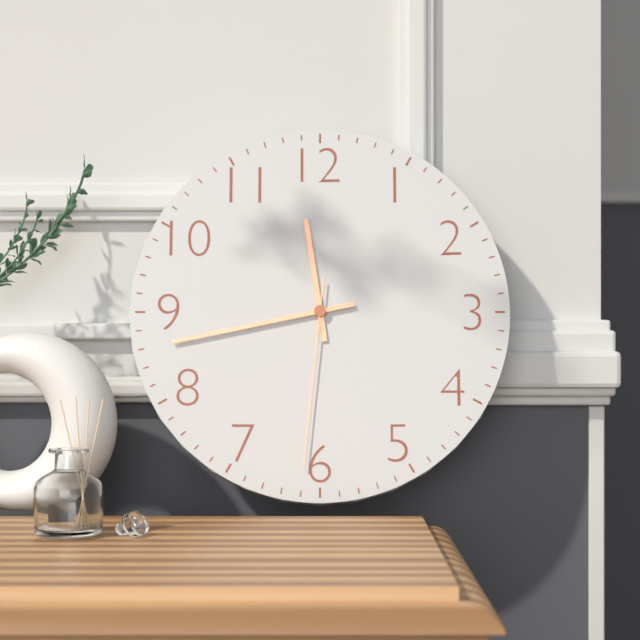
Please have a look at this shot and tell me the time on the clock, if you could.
11:43:31
